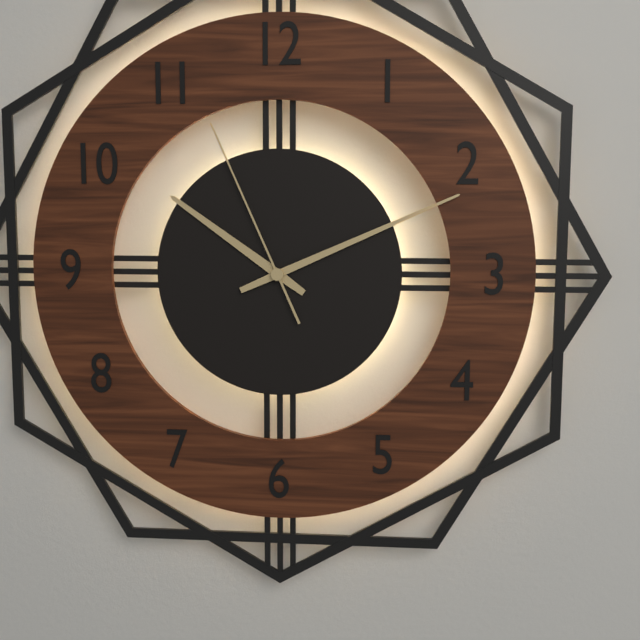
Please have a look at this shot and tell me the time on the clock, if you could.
10:11:56
